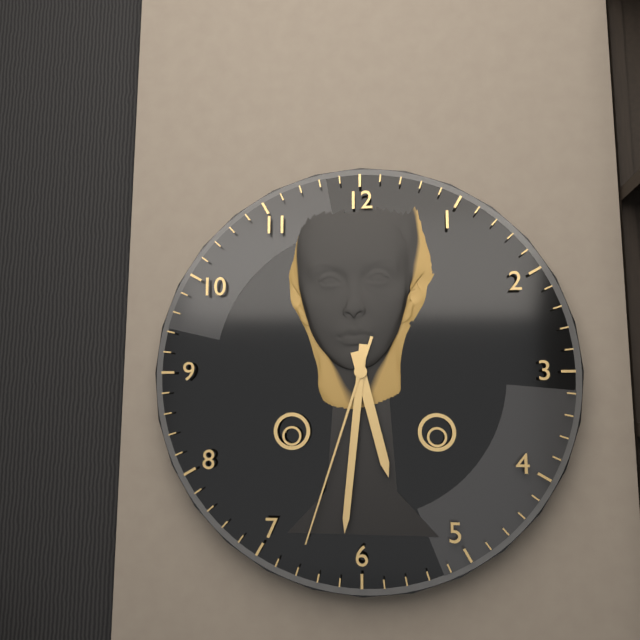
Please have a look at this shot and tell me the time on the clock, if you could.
5:31:33
